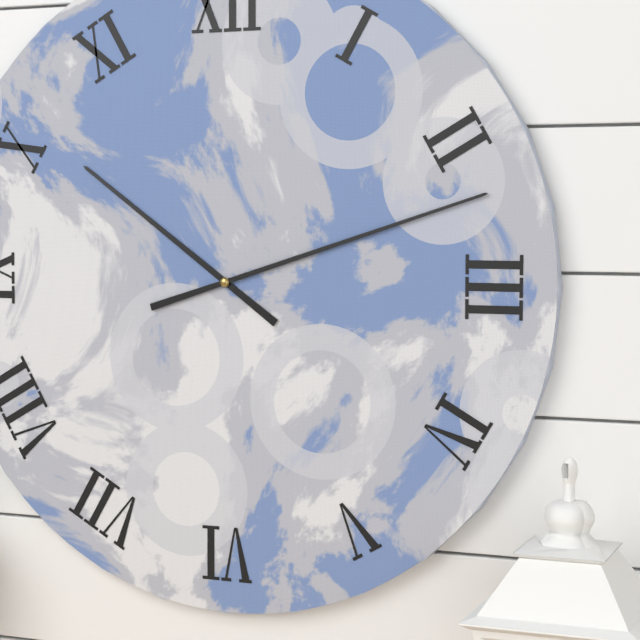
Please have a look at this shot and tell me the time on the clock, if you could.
10:12
